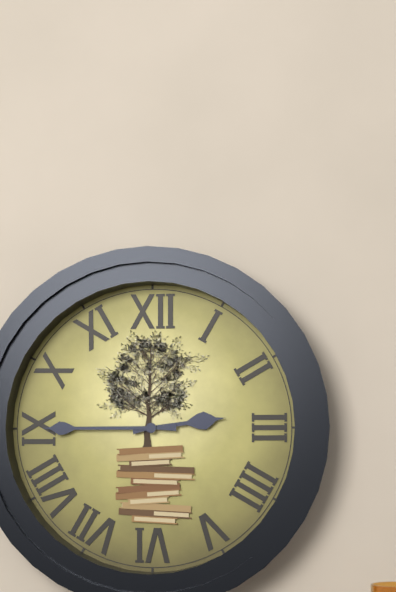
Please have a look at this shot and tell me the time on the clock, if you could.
2:45
